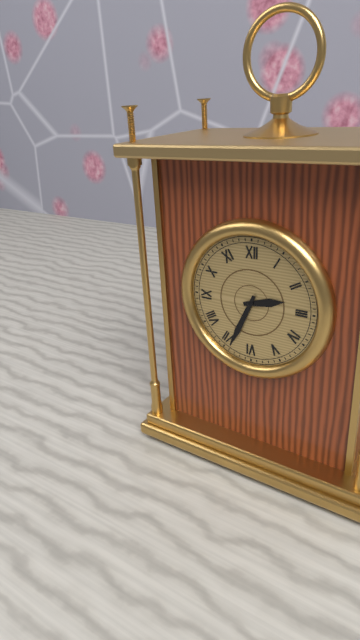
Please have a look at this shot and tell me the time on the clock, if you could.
2:34
